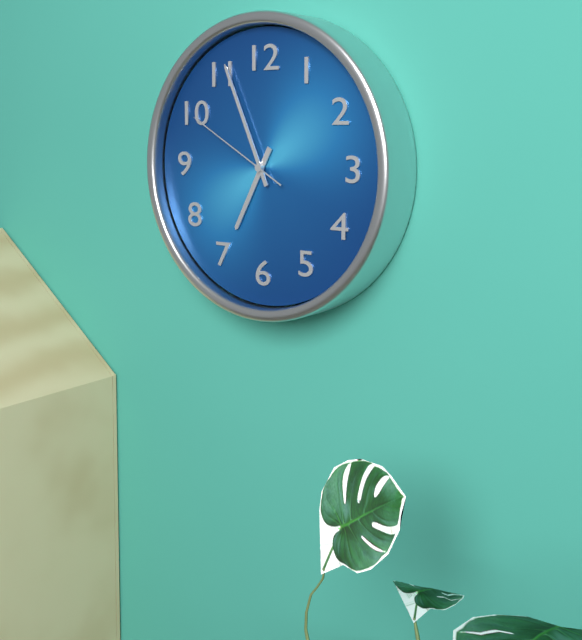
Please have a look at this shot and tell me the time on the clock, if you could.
6:56:50
